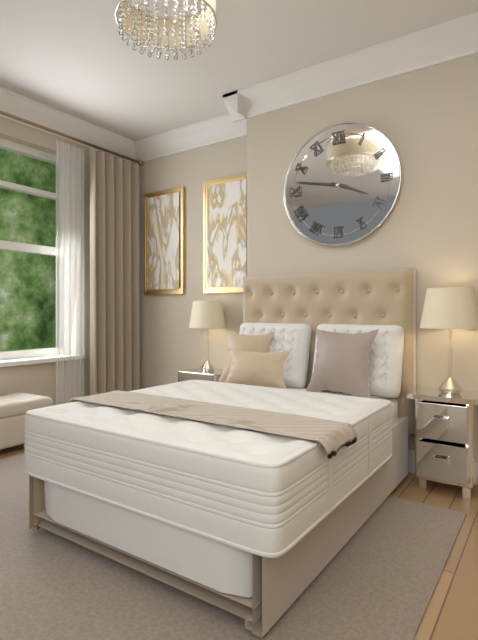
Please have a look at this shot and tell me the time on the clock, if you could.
3:47
